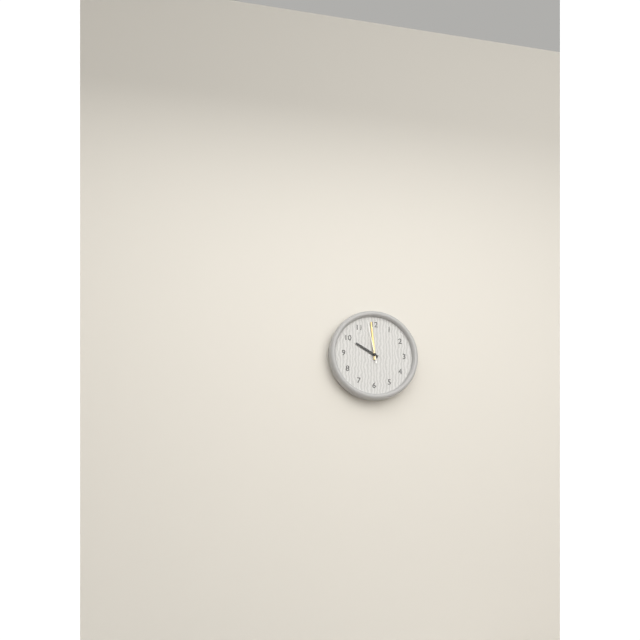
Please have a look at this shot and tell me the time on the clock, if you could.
9:59
